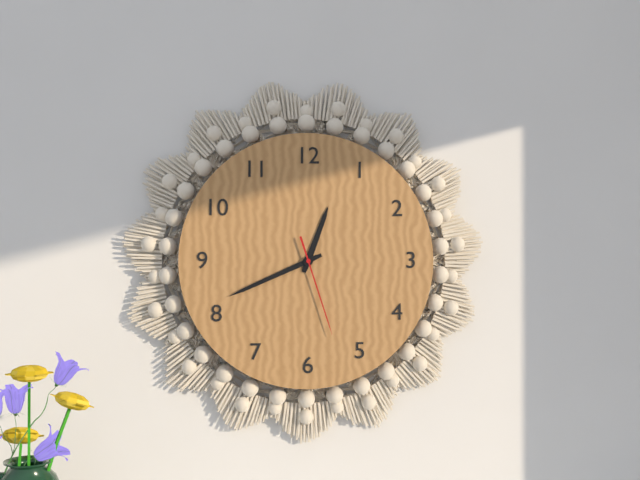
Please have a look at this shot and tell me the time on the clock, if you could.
12:41:27
